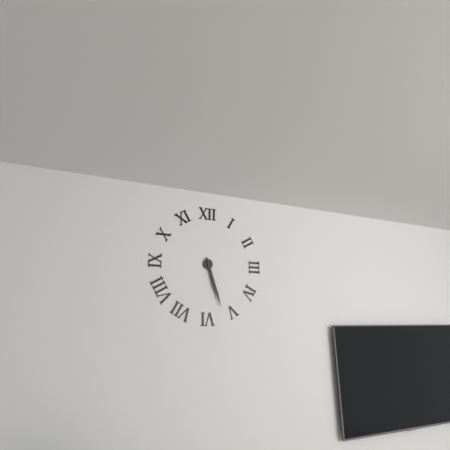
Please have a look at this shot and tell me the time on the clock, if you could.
5:27
